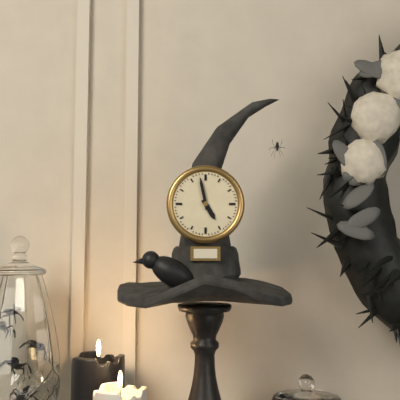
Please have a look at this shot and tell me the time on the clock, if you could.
4:58
